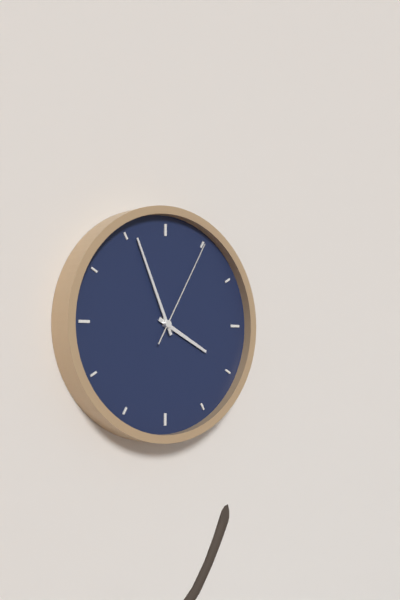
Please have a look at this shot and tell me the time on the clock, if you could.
3:56:05
